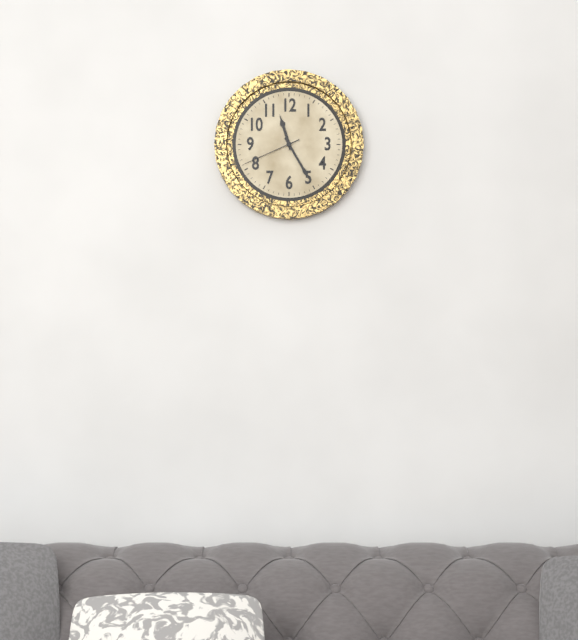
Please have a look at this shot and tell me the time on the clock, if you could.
11:25:41
